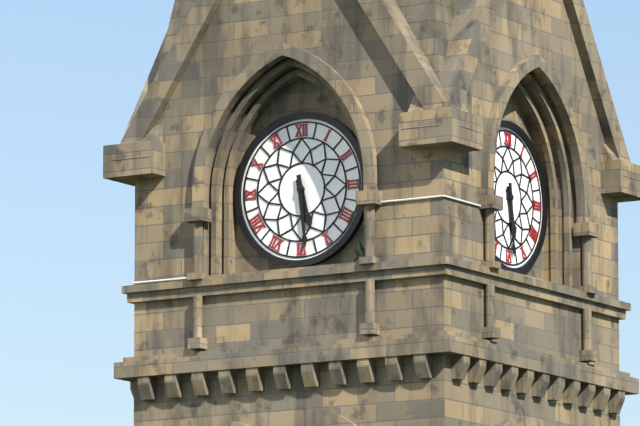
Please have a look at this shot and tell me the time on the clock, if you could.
5:29
